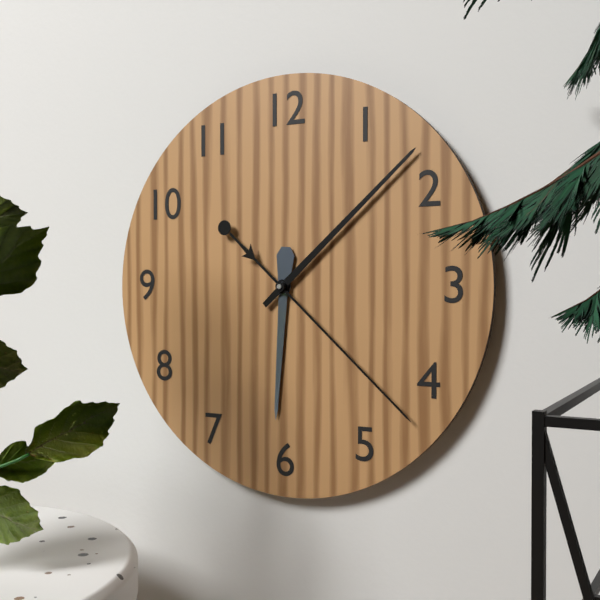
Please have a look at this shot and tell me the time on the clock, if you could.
6:08:22
